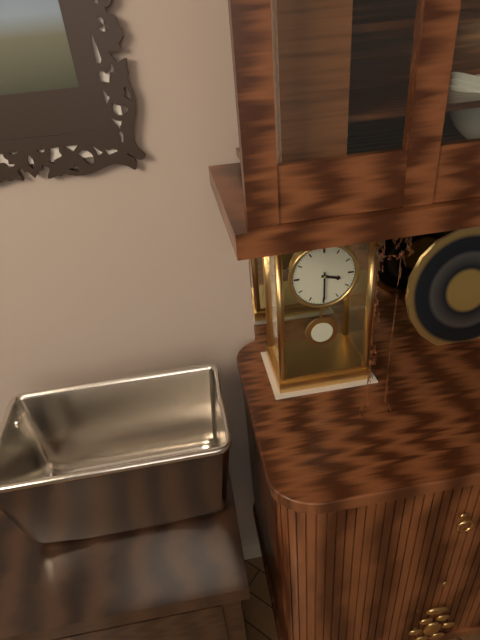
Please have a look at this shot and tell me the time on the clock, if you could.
3:30
